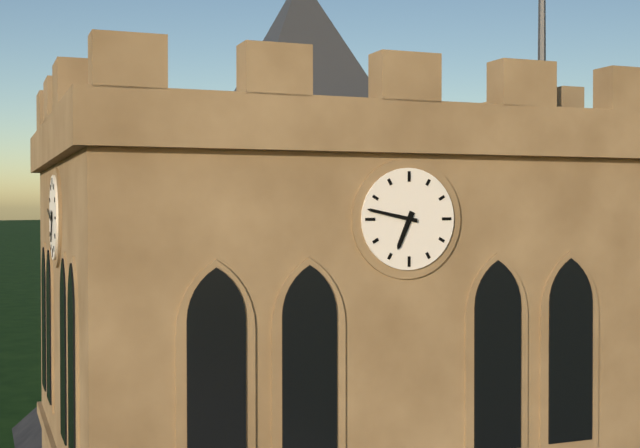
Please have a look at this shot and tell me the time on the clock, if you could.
6:47
